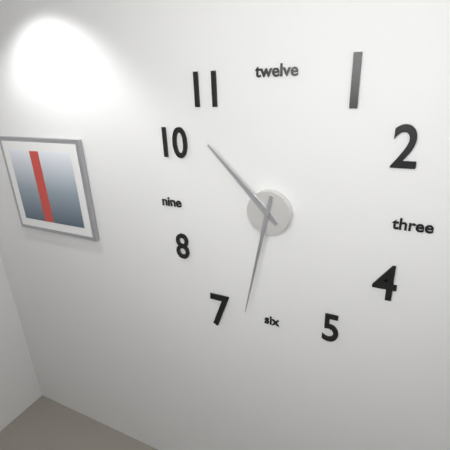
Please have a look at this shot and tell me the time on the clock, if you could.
10:32
